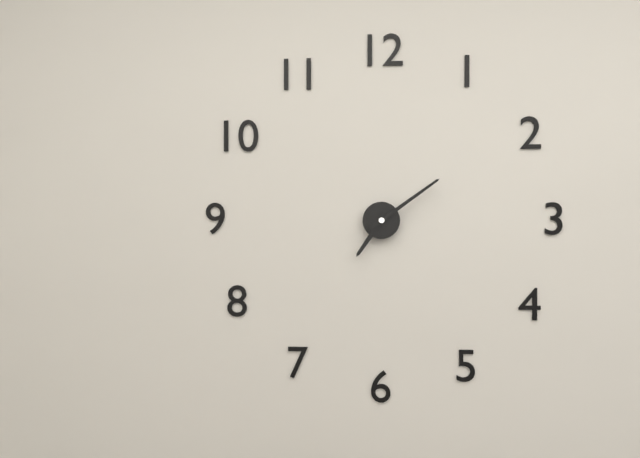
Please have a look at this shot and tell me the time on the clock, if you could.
7:09
